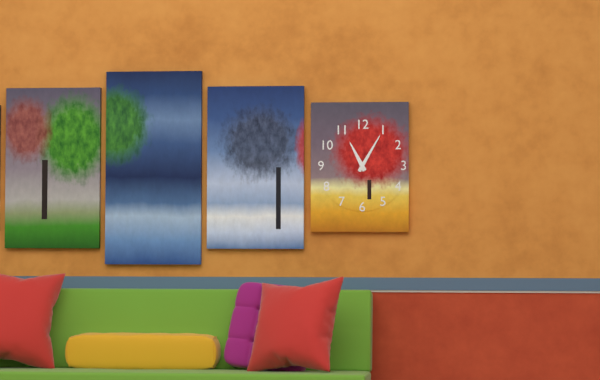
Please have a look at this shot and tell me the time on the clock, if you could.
11:05
